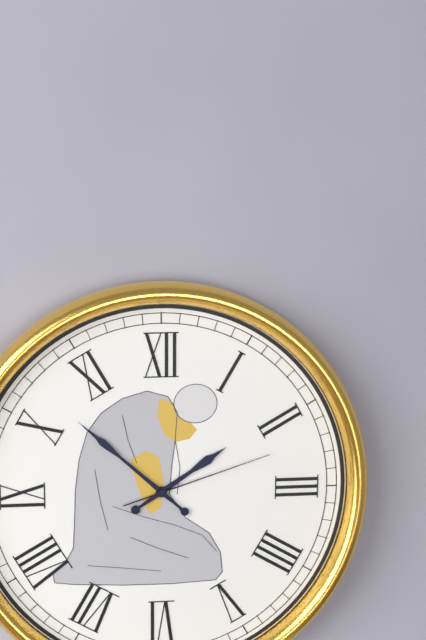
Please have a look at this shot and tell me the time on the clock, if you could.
1:52:12
